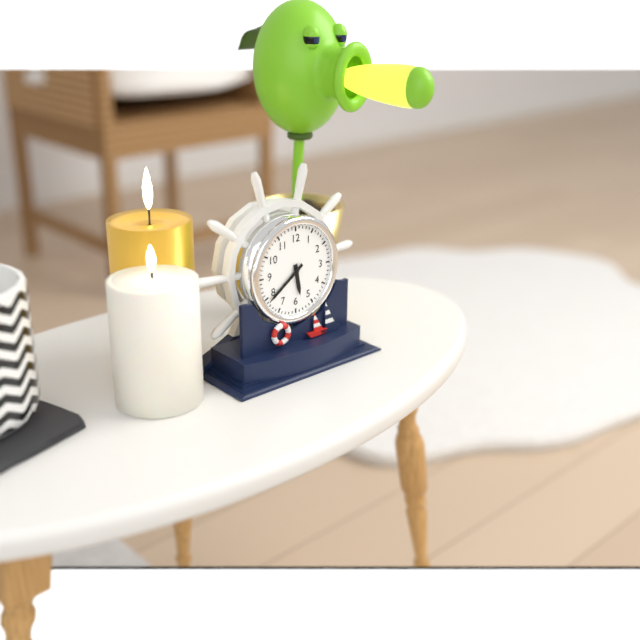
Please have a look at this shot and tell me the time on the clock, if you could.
5:39
